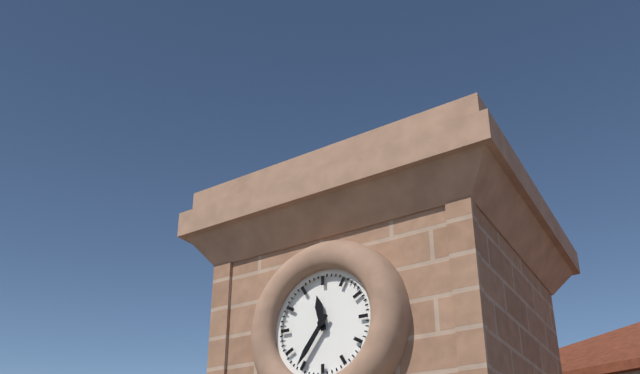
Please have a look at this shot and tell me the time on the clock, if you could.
11:36
